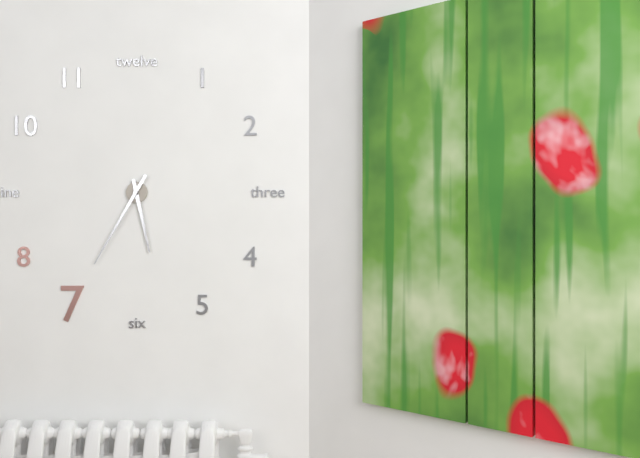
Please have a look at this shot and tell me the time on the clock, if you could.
5:35
